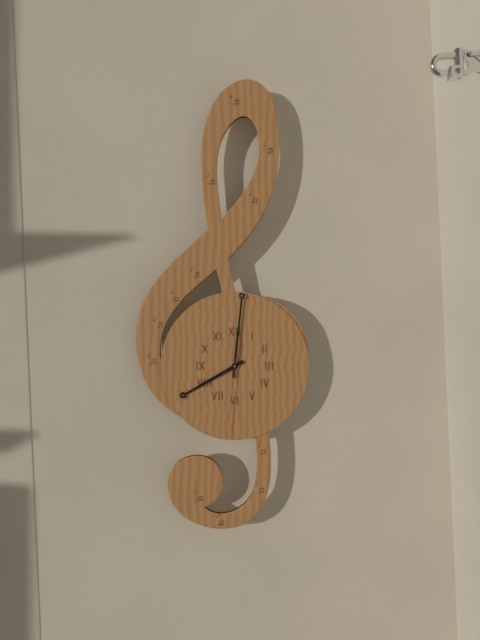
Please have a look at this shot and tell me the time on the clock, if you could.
8:01:31
